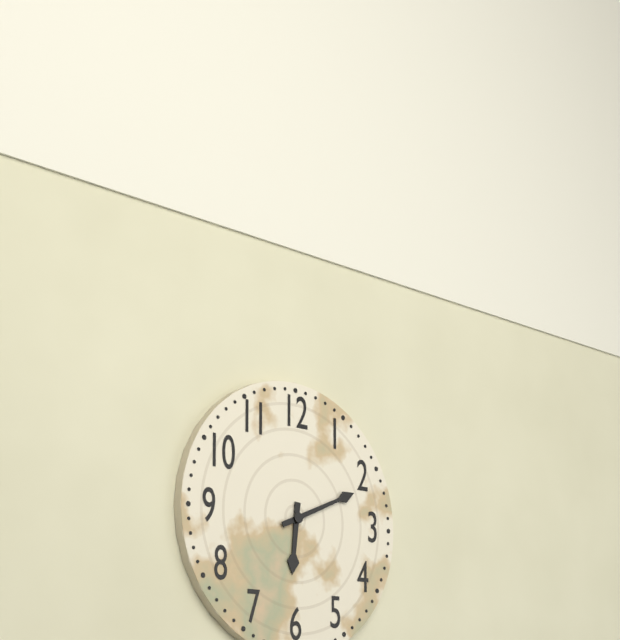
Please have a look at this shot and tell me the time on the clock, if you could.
6:11
